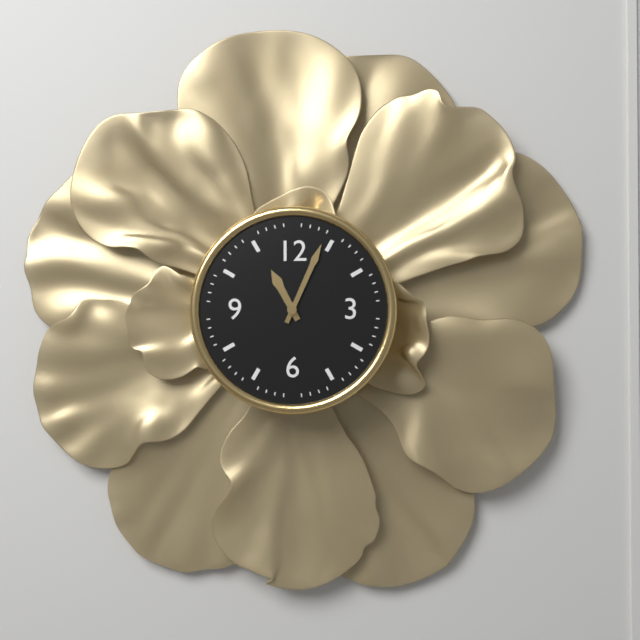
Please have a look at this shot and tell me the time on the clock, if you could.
11:04
